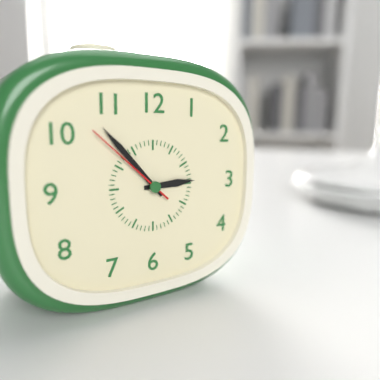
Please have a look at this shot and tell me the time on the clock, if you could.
2:53:52
